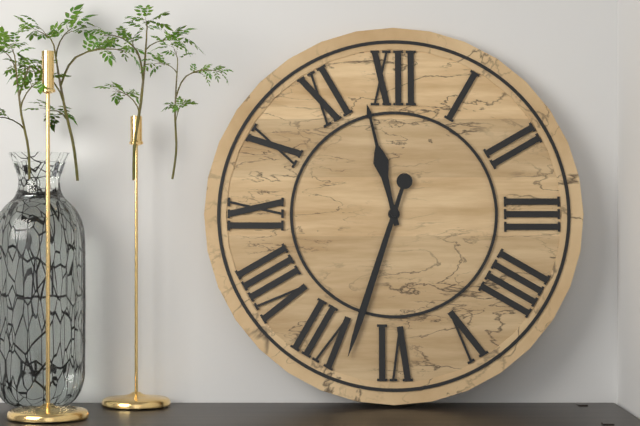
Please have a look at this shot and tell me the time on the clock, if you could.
11:33
